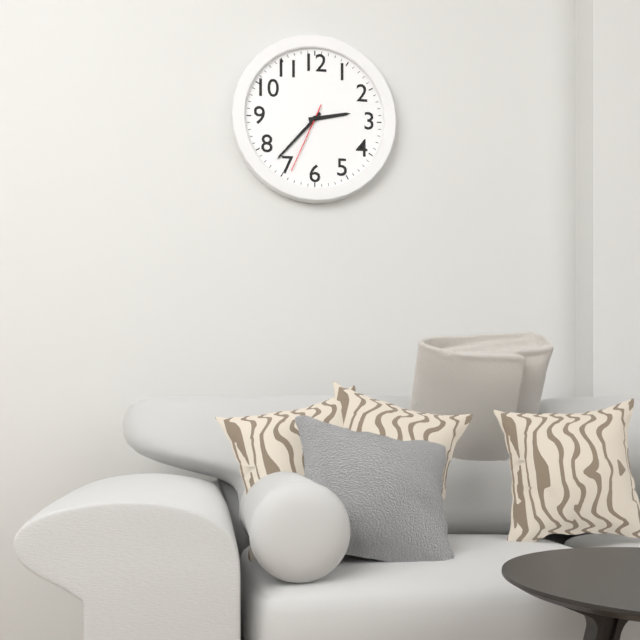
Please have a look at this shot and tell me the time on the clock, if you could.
2:37:34
